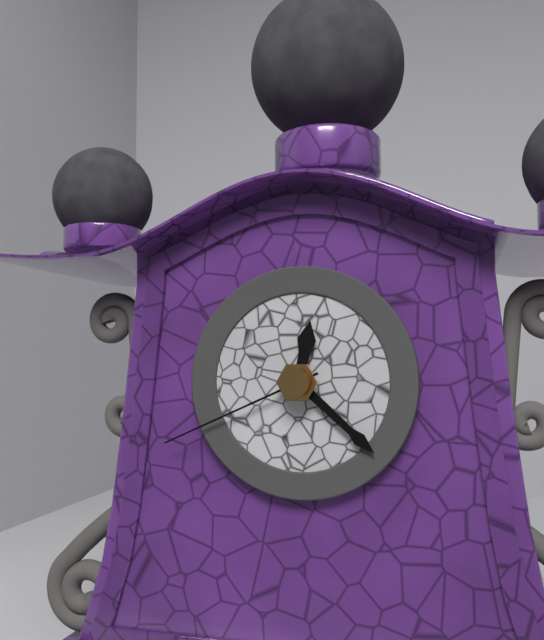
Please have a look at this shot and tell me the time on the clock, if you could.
12:22:41
